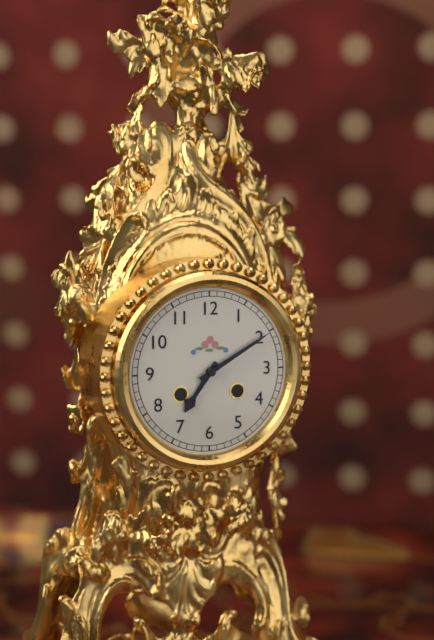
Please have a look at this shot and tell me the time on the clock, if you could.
7:10
